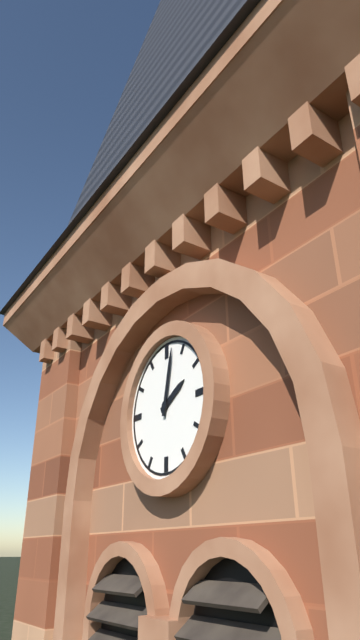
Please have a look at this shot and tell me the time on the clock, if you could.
2:02
